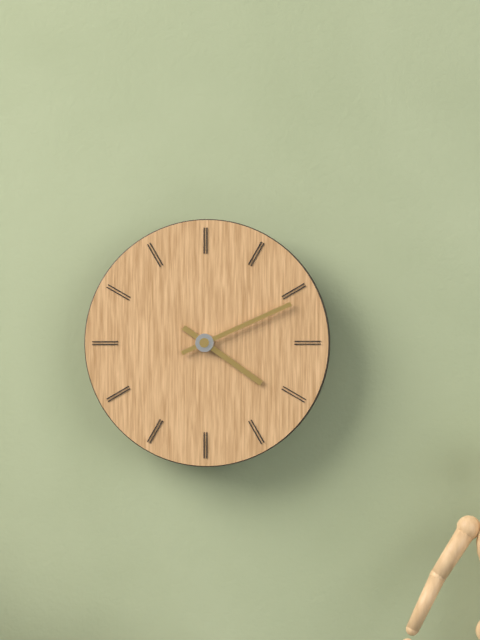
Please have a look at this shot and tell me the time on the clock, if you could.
4:11
